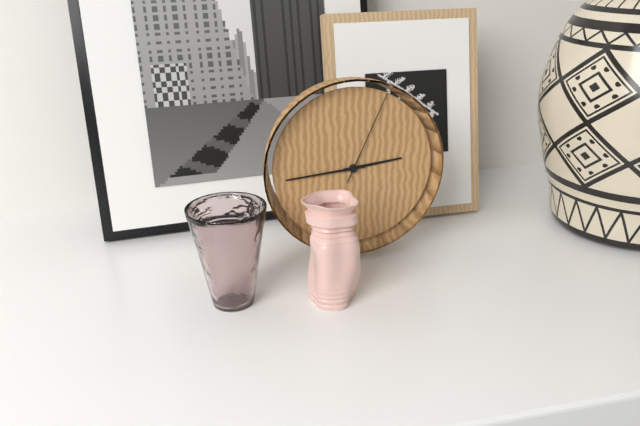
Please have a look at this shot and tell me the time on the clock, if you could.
2:44:04
